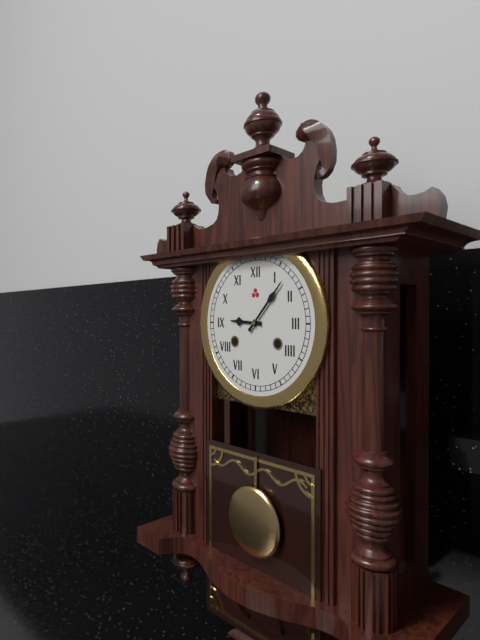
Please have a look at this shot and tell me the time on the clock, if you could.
9:07
